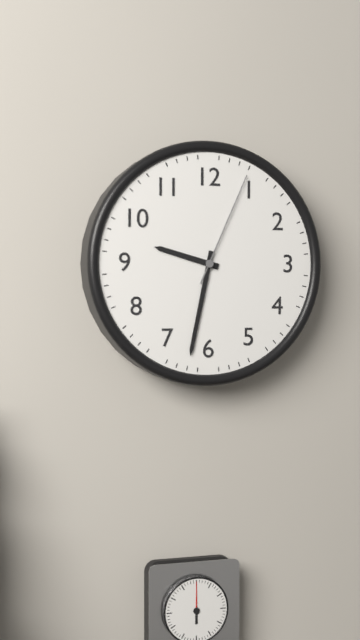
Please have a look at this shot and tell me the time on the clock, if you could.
9:32:04
